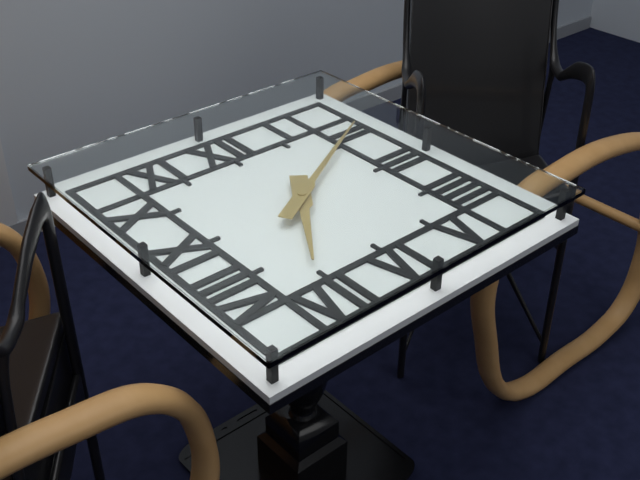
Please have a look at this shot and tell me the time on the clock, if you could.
7:10
